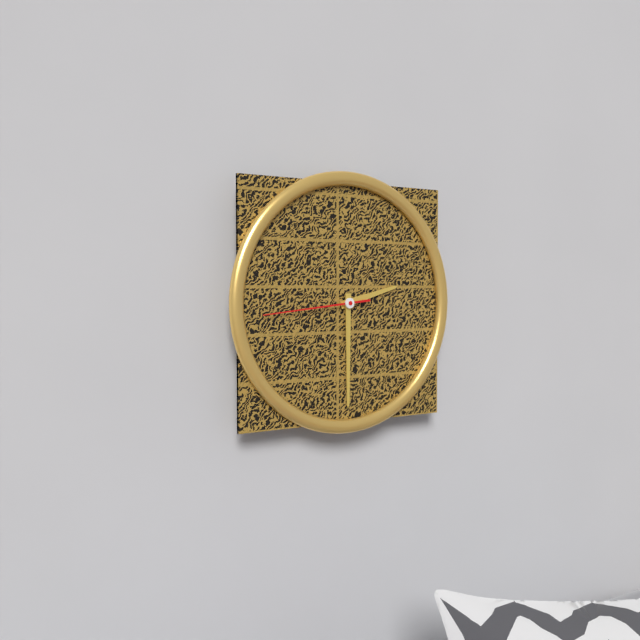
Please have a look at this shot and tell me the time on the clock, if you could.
2:30:44
